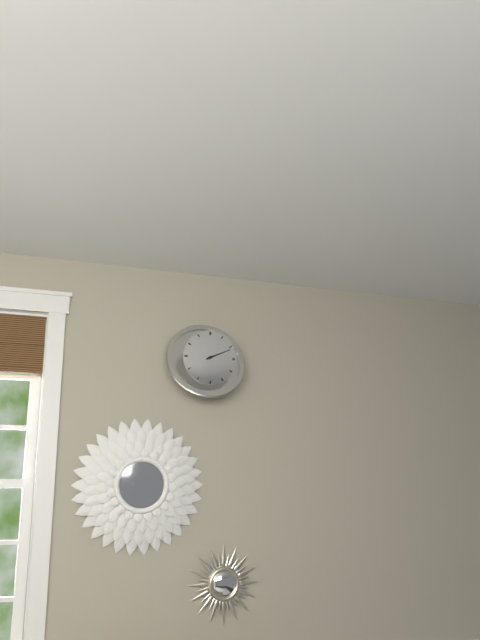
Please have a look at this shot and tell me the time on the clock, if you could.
2:11
